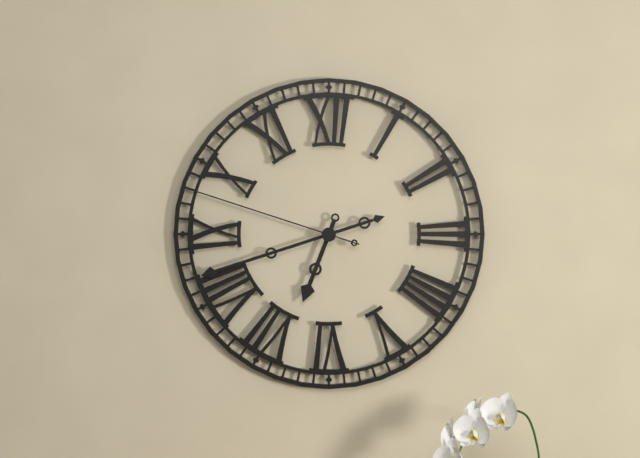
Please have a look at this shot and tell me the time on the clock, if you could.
6:42:48
